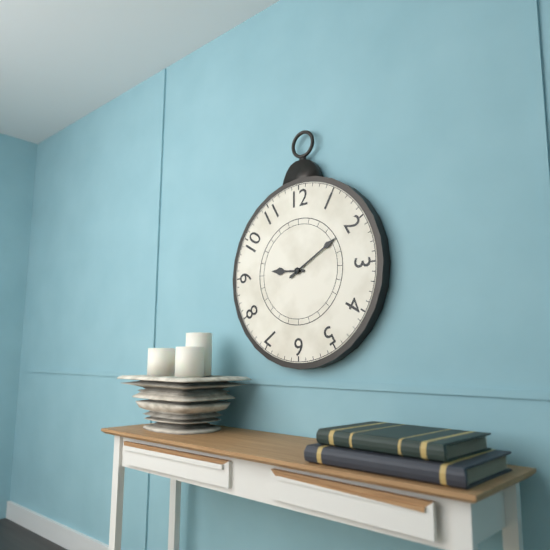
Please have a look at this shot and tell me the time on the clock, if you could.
9:10
